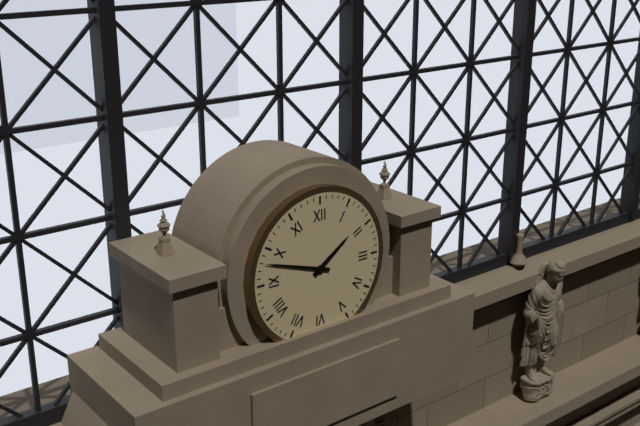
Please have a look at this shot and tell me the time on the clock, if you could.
1:48
